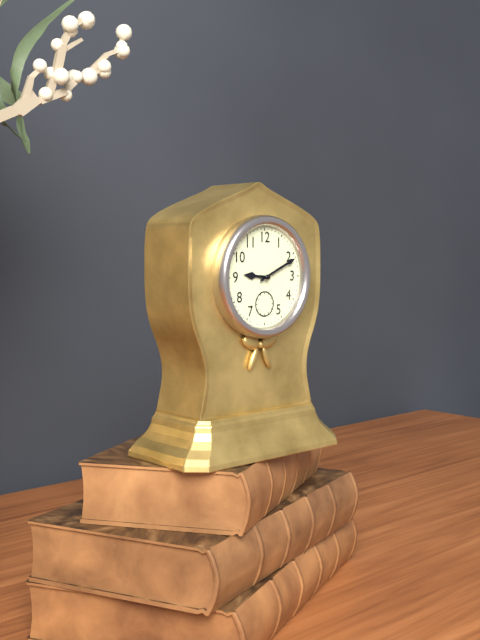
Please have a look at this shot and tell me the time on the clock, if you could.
9:11
